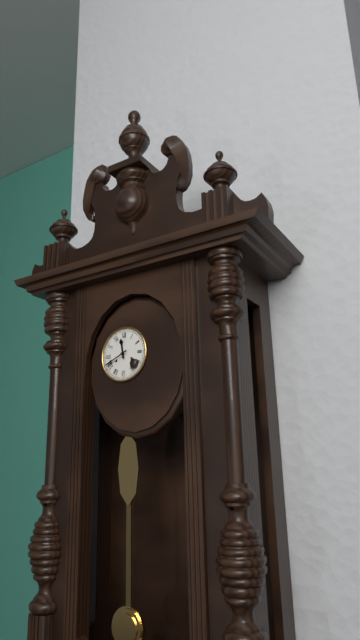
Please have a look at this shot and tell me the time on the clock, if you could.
11:41
